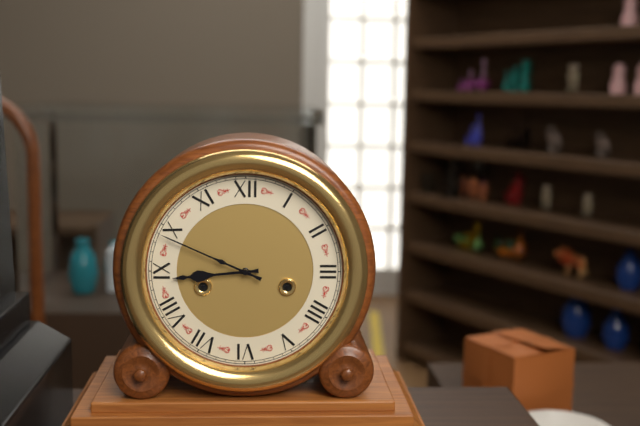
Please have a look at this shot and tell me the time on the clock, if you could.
8:49
